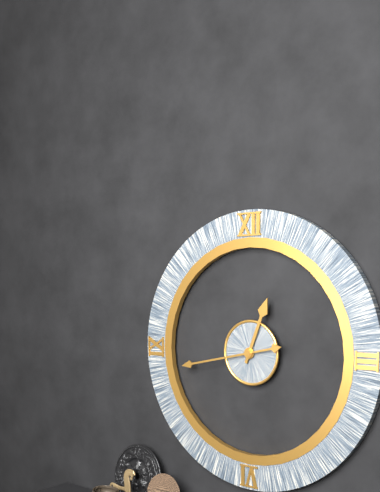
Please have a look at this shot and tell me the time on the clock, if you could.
12:43
